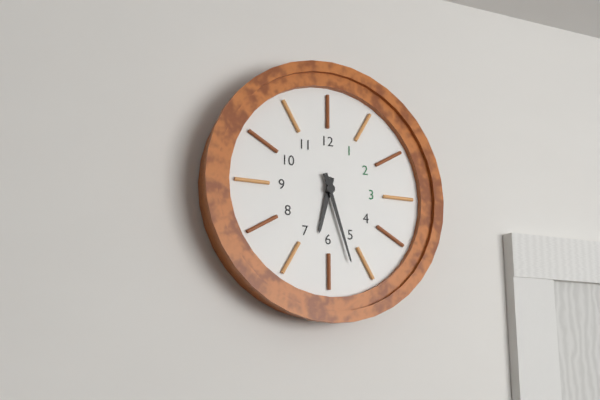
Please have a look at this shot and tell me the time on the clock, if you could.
6:27
